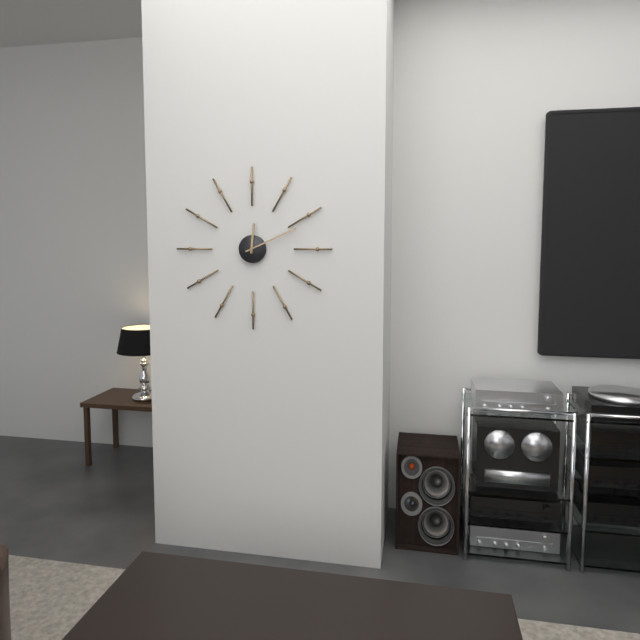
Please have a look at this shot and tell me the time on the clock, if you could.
12:11
